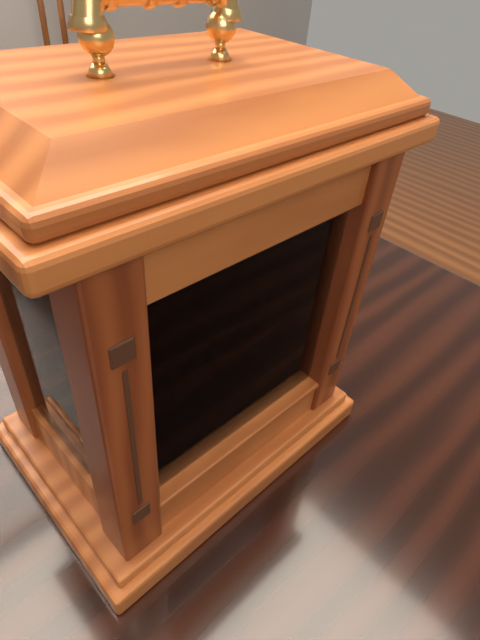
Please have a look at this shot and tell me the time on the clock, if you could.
3:35
